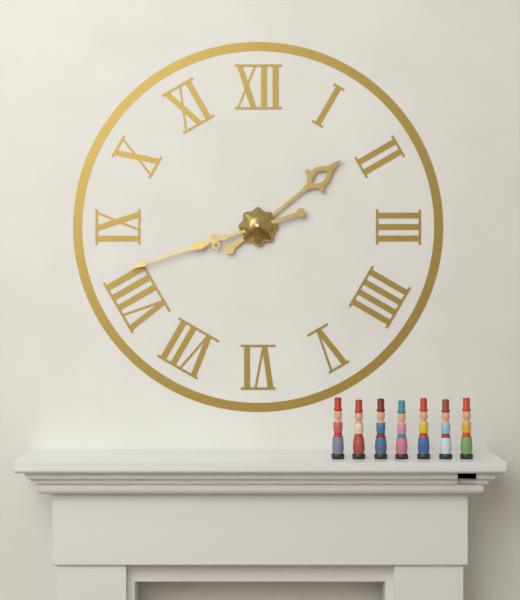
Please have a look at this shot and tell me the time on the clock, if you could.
1:42
